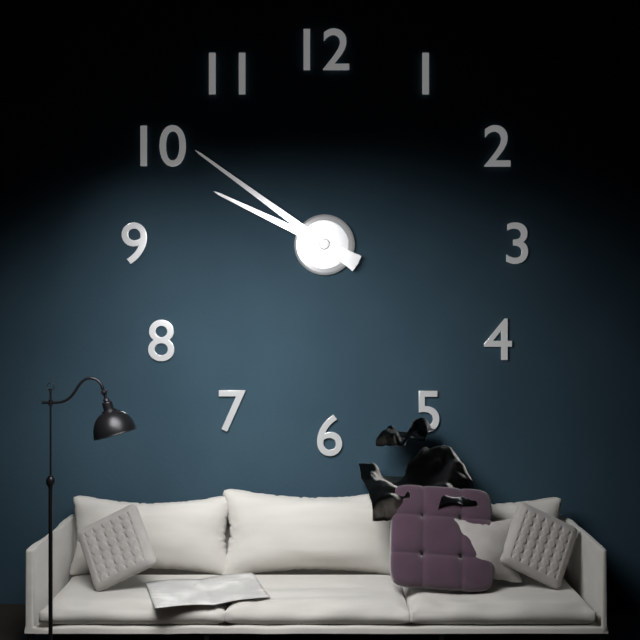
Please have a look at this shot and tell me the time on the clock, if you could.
9:51
